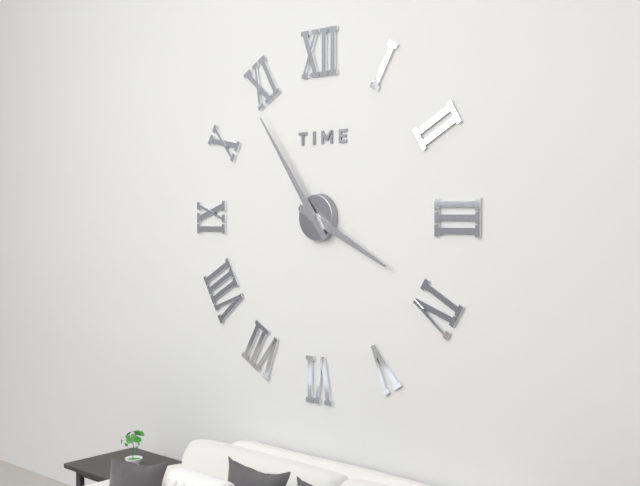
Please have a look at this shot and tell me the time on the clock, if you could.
3:54
